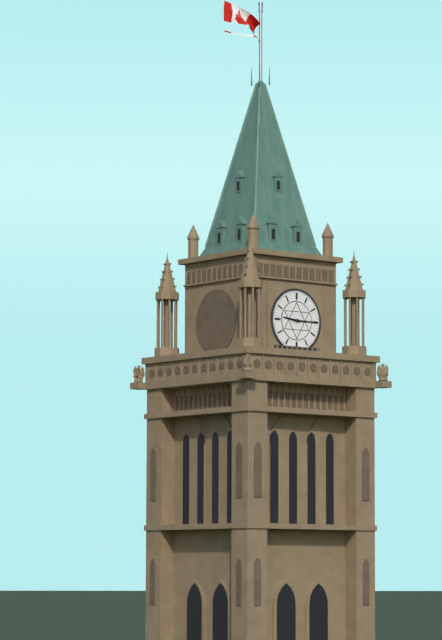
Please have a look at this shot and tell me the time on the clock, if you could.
9:15
